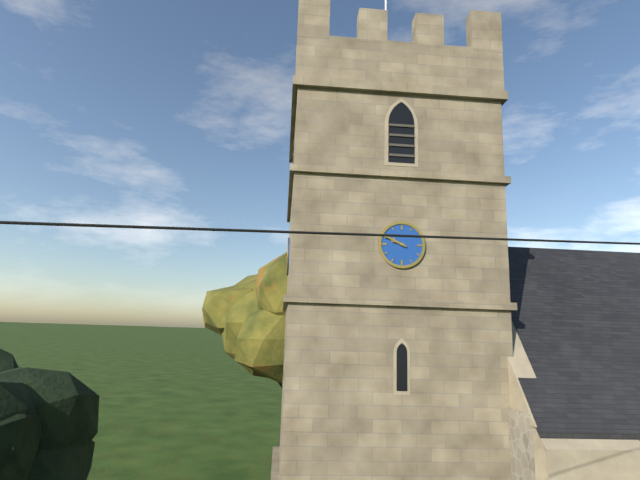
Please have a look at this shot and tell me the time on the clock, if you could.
9:49
